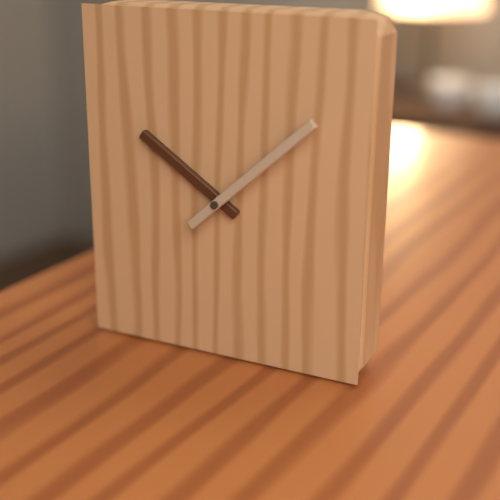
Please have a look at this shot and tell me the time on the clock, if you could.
10:08
